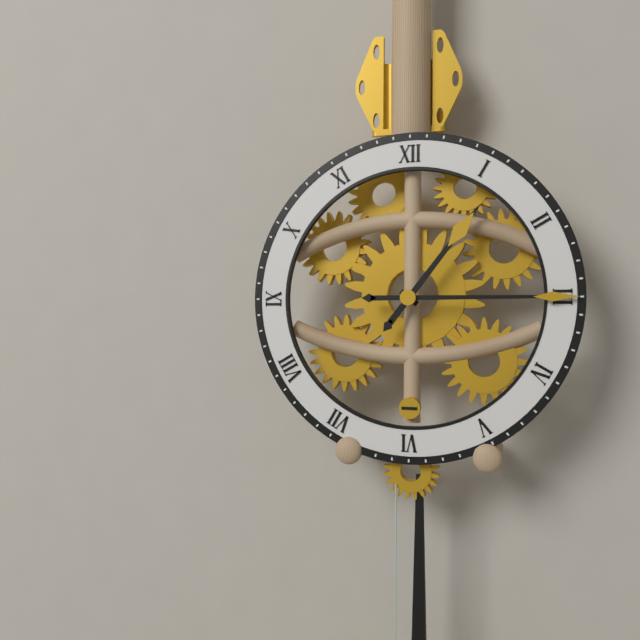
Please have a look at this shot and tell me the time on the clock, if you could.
1:15
